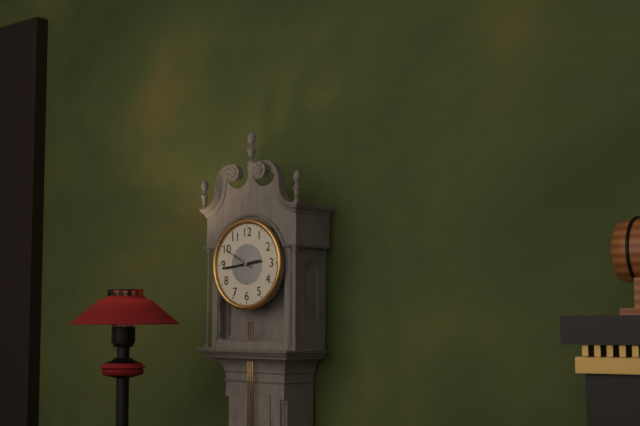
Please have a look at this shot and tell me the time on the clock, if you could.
2:44
